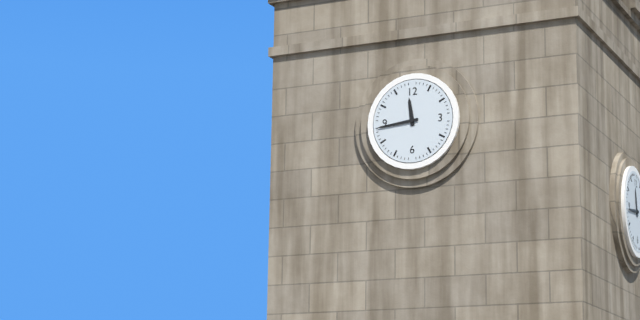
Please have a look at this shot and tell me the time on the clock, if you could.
11:44
